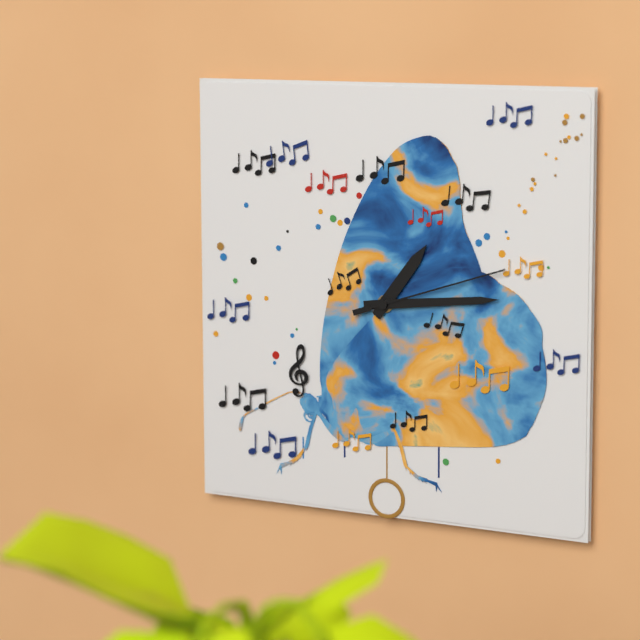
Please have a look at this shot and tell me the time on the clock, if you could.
1:14:12
